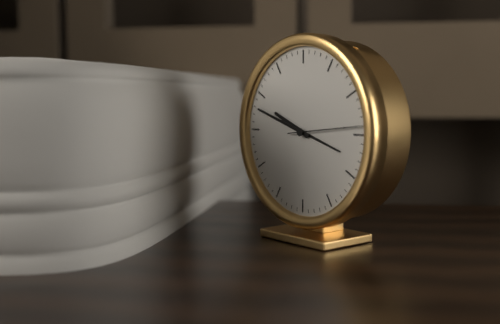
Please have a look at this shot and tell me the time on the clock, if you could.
9:48:14
